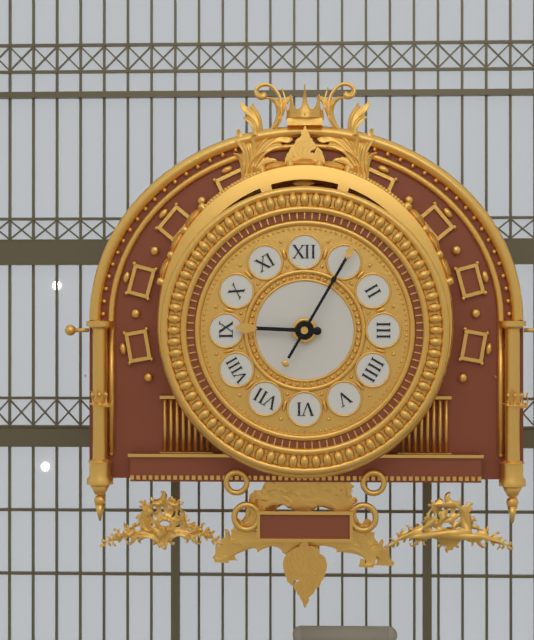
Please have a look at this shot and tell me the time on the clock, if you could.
9:05
